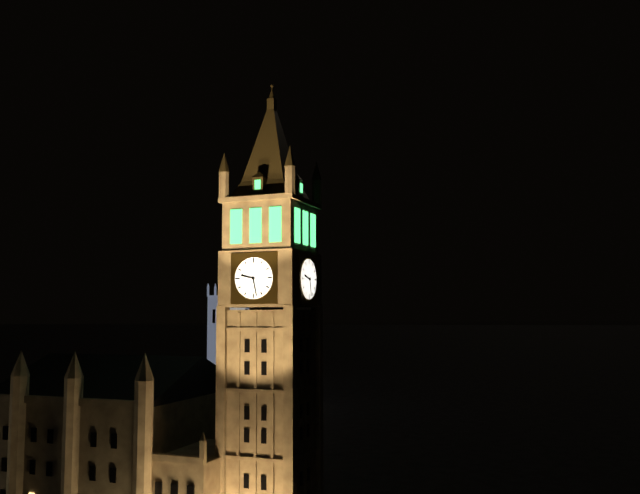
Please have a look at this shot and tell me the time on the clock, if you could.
9:28
